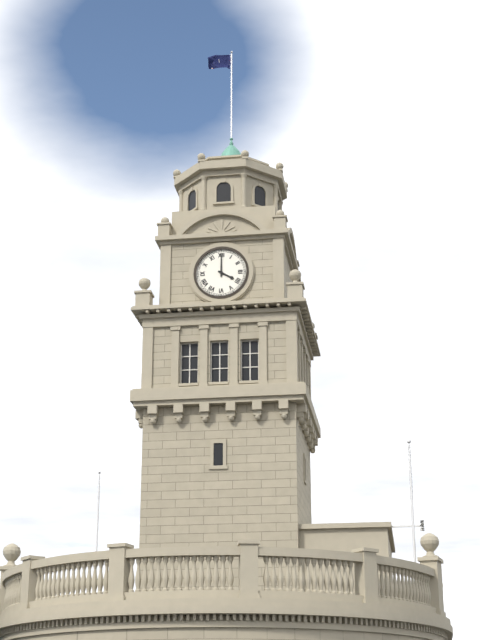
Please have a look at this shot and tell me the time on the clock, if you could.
4:00
